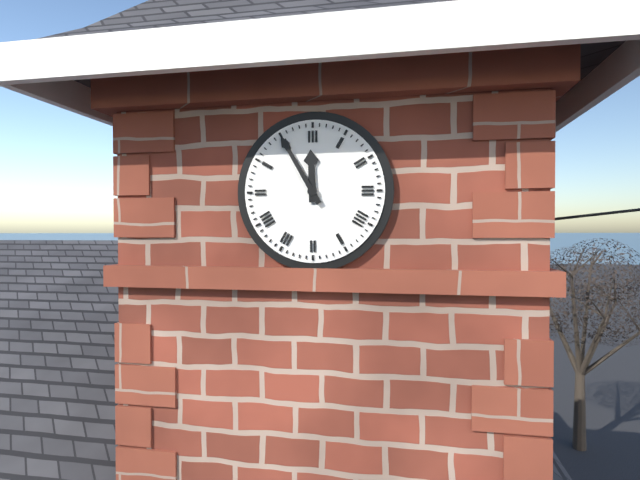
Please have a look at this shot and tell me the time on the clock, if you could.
11:55
